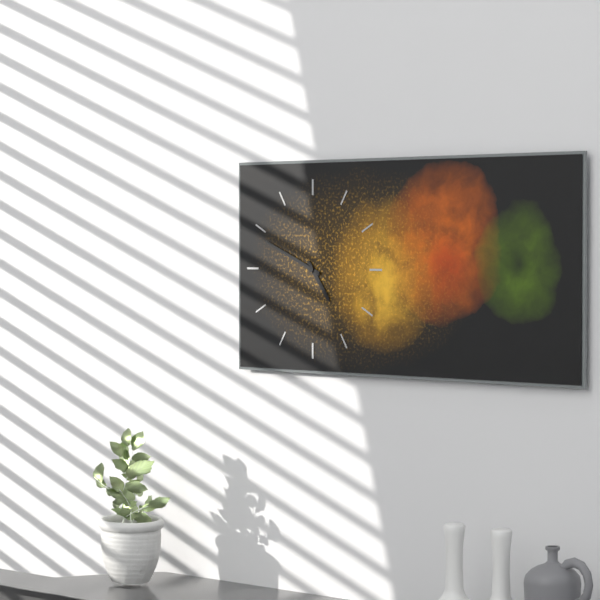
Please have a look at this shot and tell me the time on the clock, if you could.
4:49
